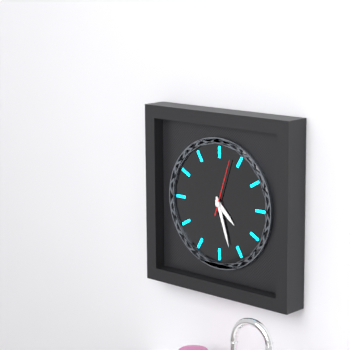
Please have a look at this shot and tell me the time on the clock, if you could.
4:27:03
